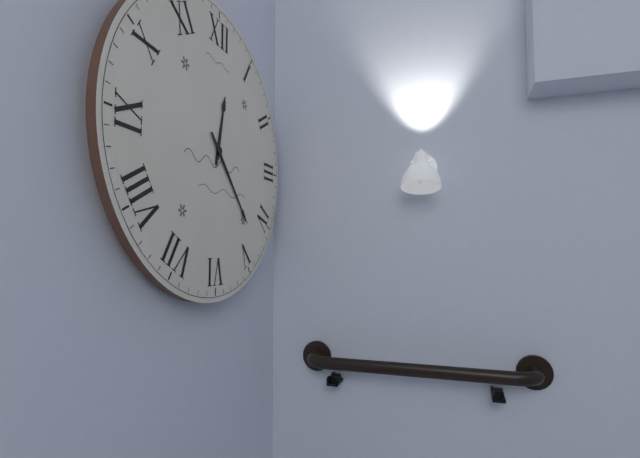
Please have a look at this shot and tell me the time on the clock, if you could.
12:23
